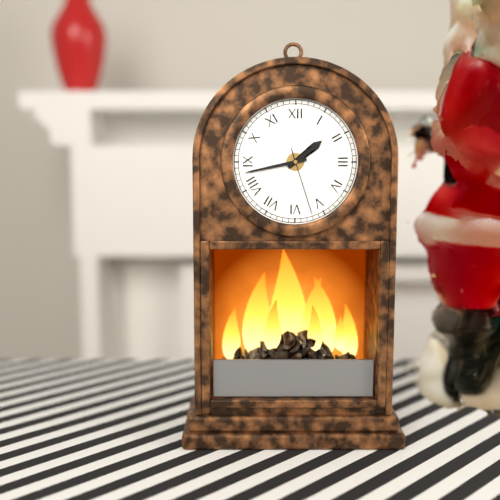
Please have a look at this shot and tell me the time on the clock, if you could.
1:43:27
